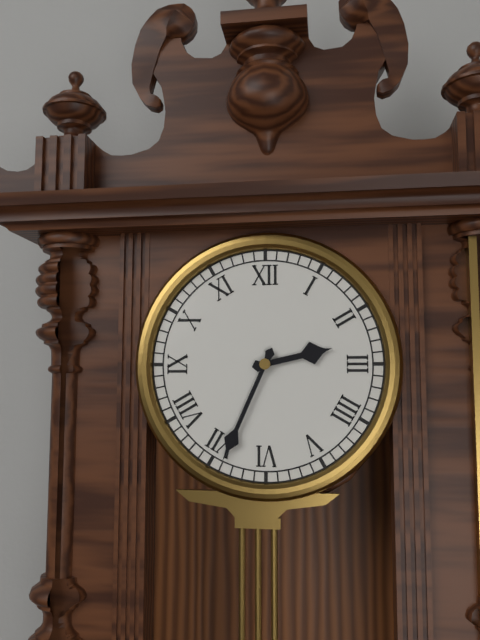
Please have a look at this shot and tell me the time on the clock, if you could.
2:34
